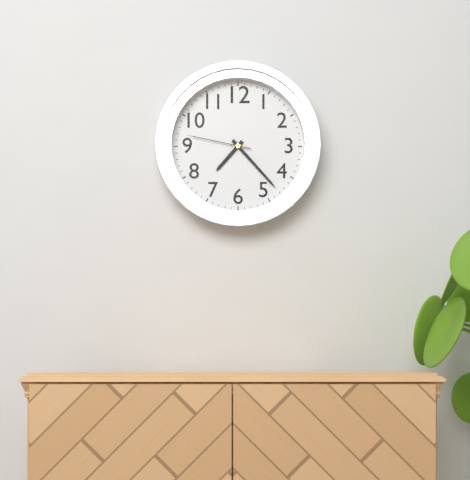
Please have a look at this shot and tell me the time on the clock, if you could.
7:23:47
